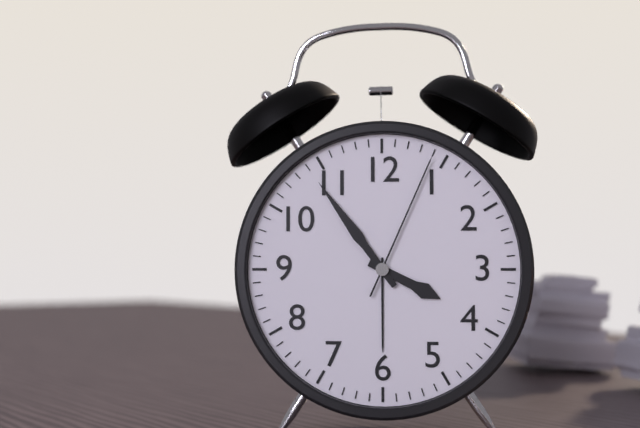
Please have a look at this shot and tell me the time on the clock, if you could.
3:54:04
